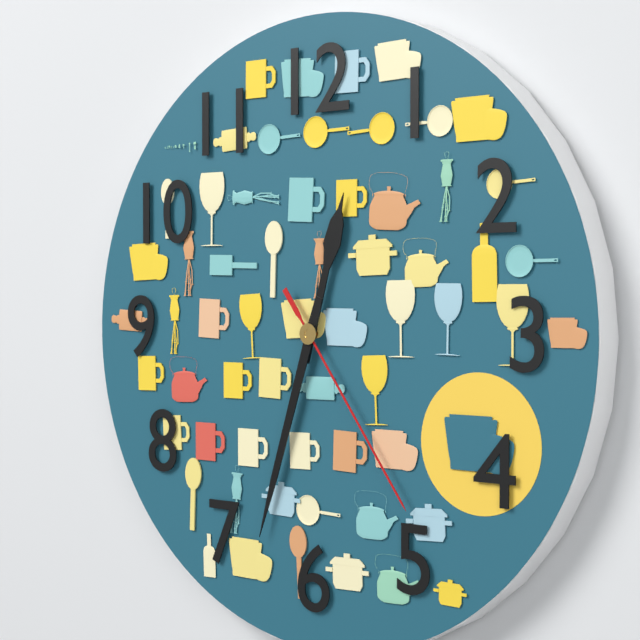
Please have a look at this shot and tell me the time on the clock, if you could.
12:33:24
